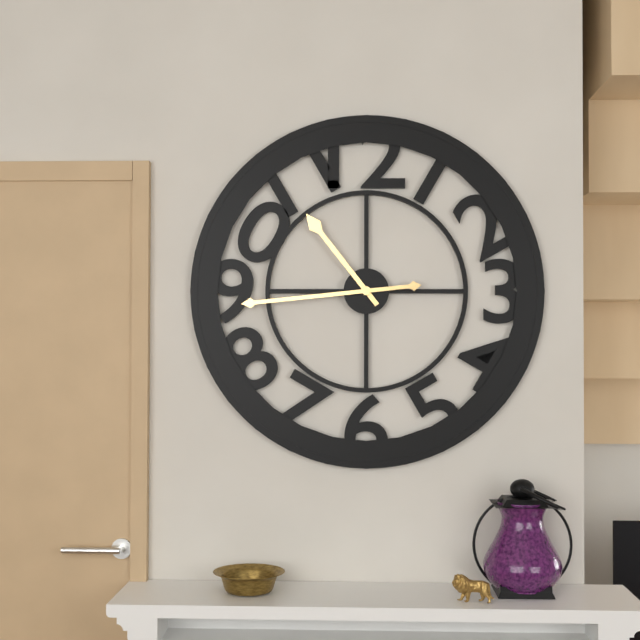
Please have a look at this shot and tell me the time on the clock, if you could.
10:44
